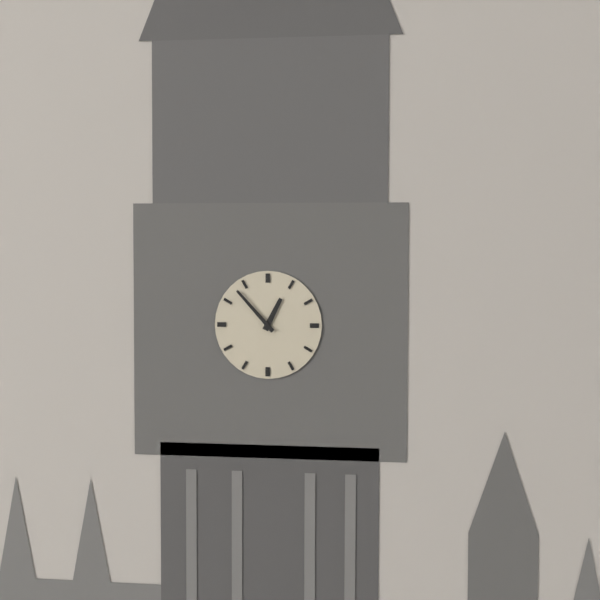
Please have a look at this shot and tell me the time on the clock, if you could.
12:53
